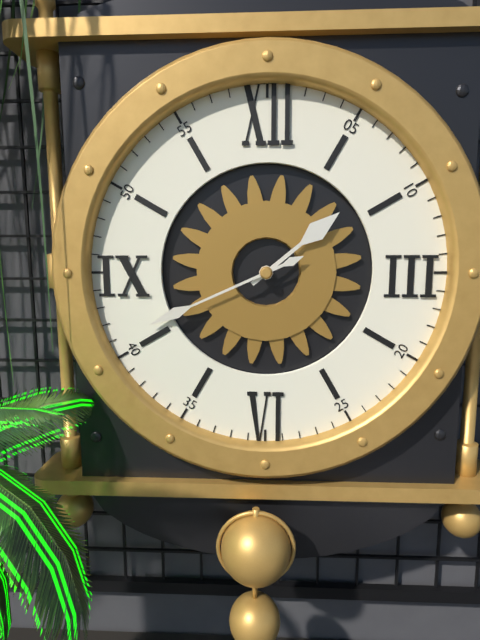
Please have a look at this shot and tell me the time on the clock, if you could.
1:41
